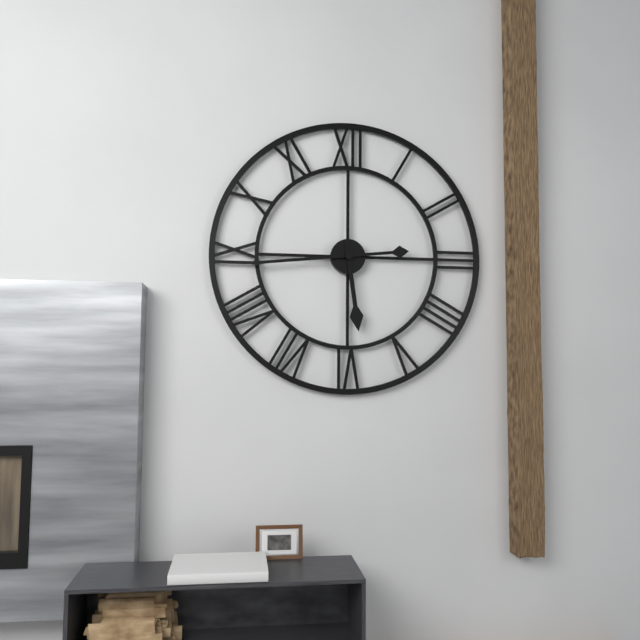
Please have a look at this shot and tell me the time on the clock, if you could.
5:44
